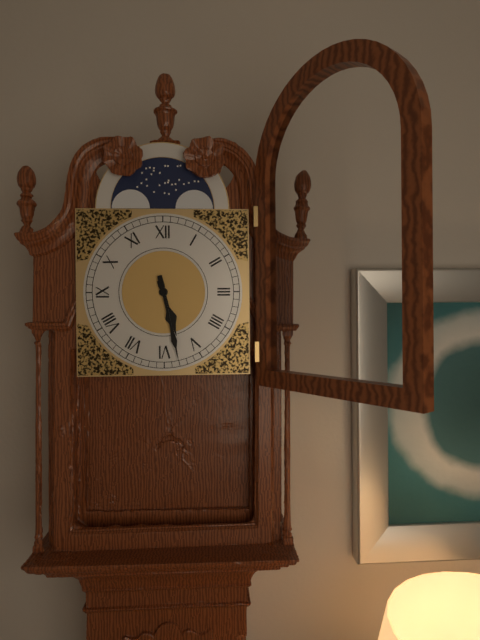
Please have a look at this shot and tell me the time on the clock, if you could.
5:28
